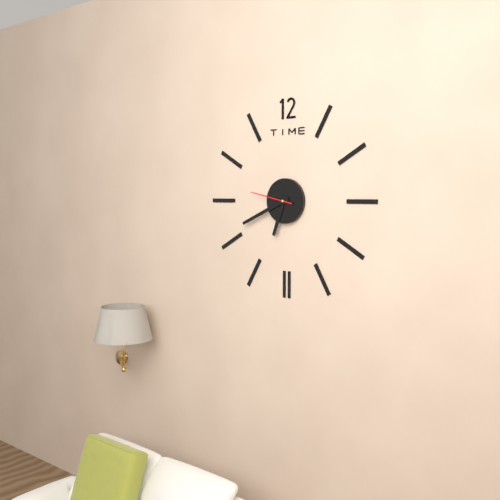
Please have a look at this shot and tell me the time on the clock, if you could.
6:41
